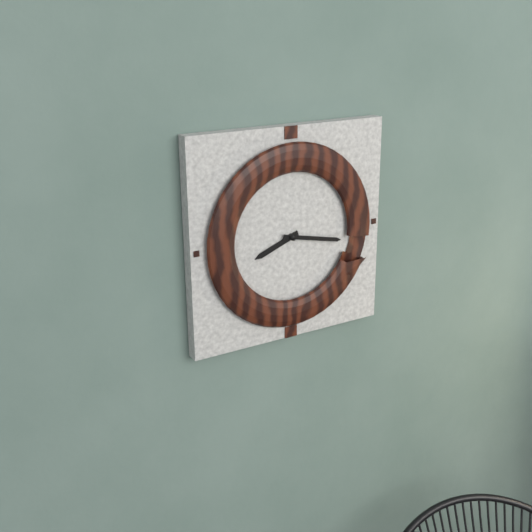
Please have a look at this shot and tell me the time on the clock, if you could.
8:17
